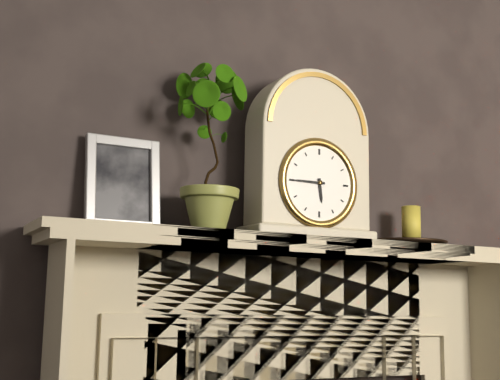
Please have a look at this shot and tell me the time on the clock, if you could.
5:45
